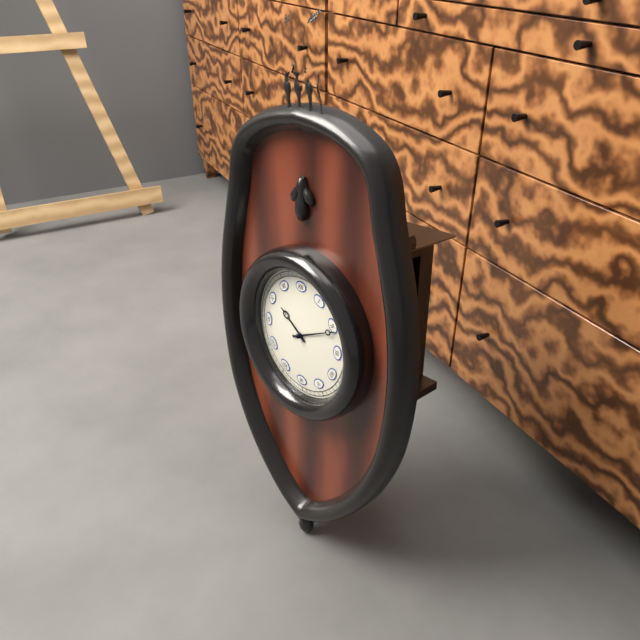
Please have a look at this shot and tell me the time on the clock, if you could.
10:11
